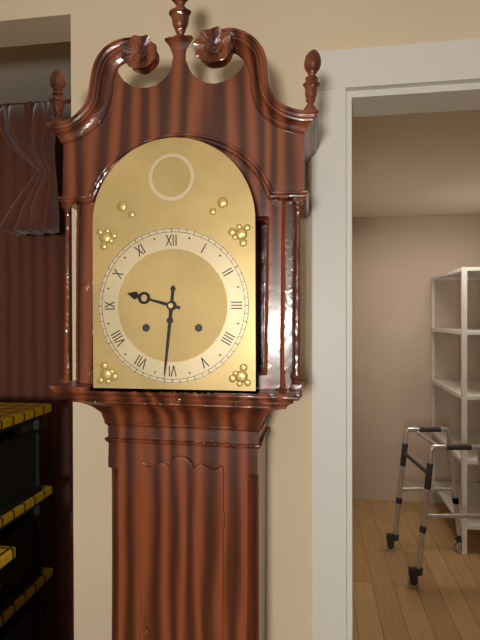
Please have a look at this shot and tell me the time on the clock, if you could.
9:31
